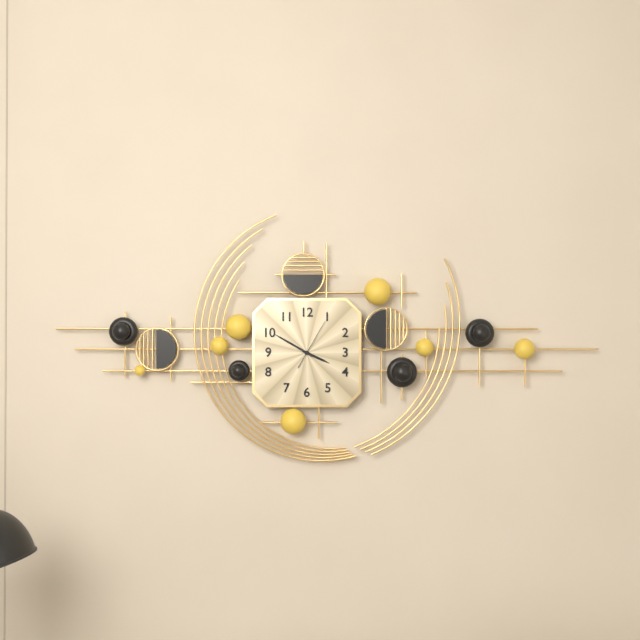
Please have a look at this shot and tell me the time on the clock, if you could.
3:50
